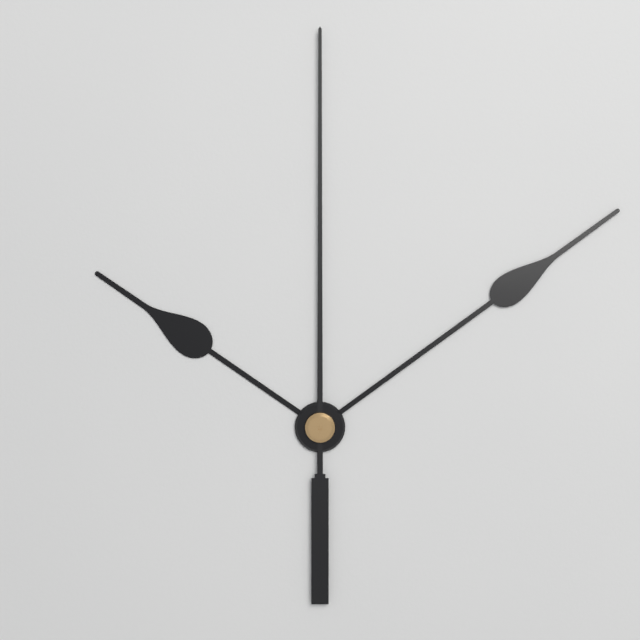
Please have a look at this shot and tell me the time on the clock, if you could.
10:09:00
